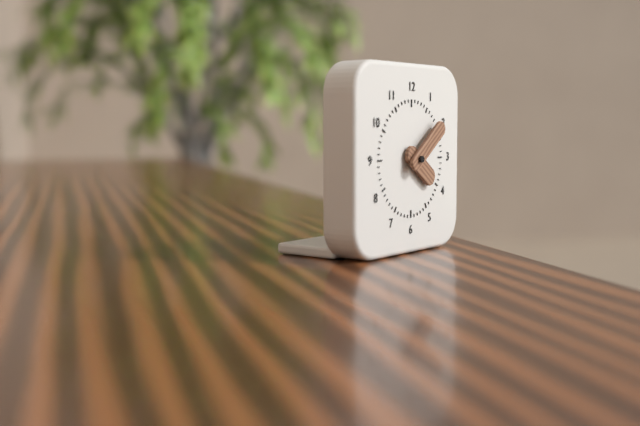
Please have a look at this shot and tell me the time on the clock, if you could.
4:09
